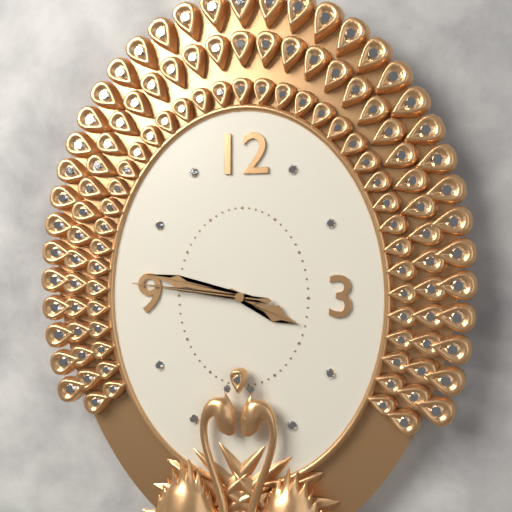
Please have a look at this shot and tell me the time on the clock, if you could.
3:47:46
